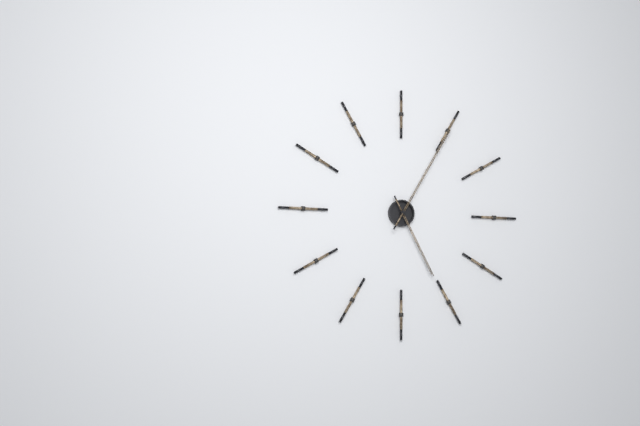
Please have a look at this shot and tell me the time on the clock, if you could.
5:05
